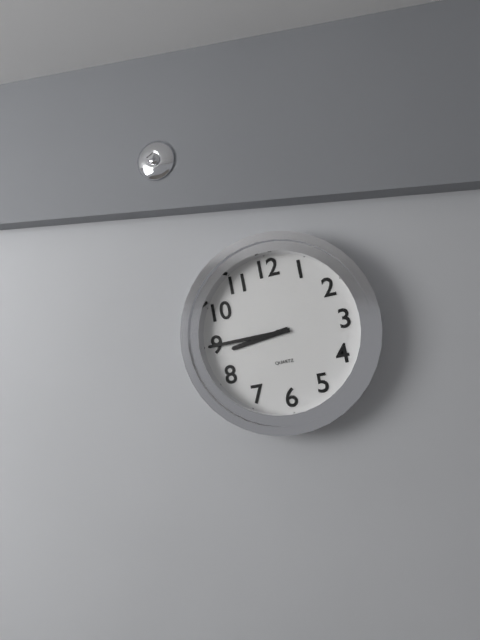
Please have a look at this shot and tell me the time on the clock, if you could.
8:45
